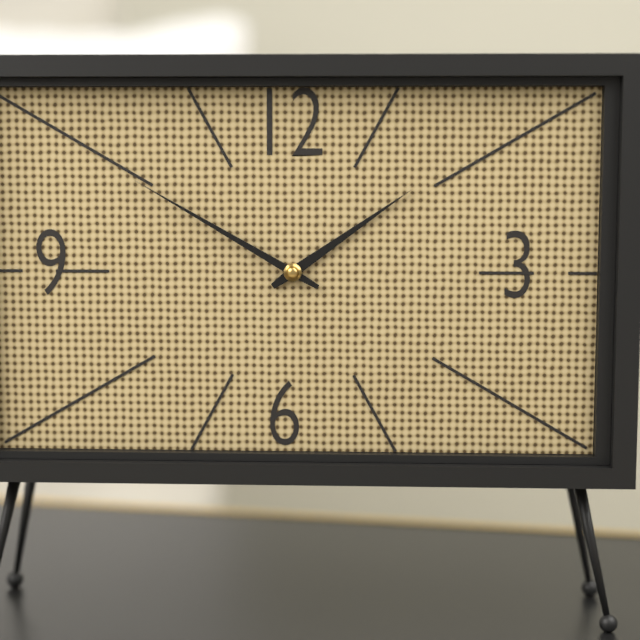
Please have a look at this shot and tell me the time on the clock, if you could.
1:50
